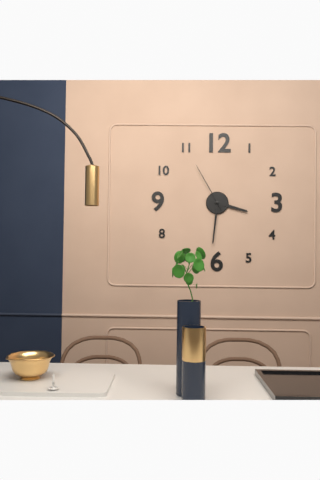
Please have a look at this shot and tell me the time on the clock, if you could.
3:31:55
